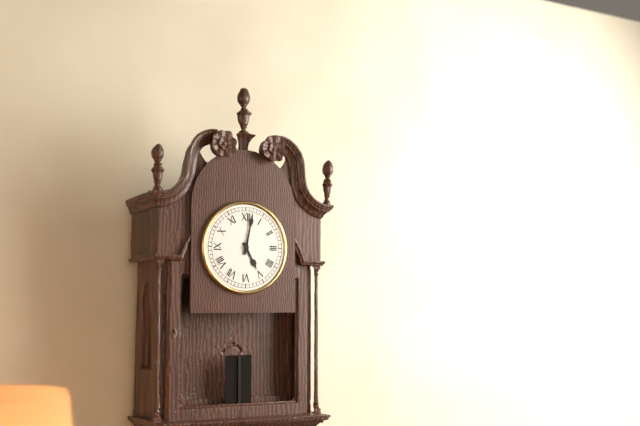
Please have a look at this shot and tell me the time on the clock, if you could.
5:02
